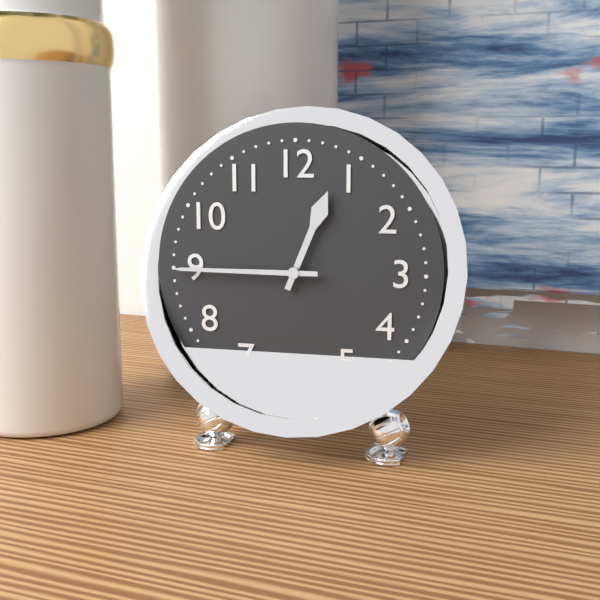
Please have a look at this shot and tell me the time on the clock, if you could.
12:45
